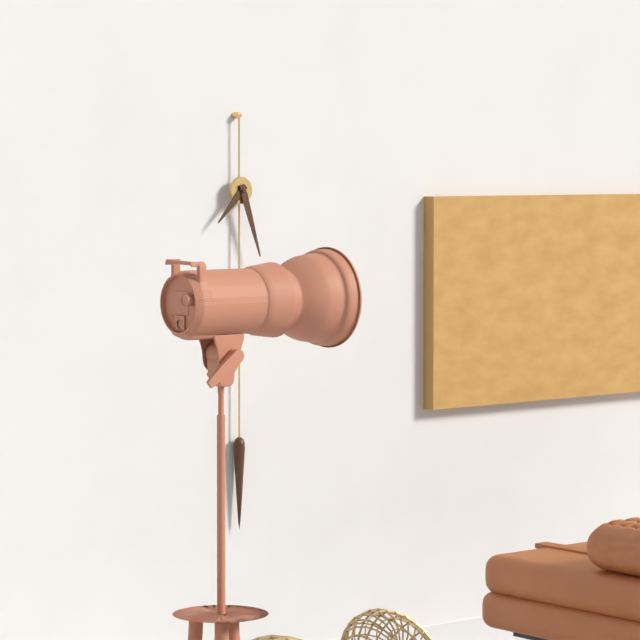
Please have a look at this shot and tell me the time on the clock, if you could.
7:27
